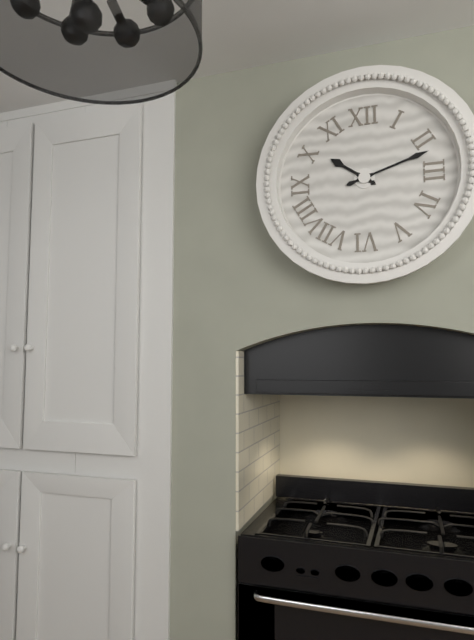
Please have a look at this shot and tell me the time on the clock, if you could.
10:12
